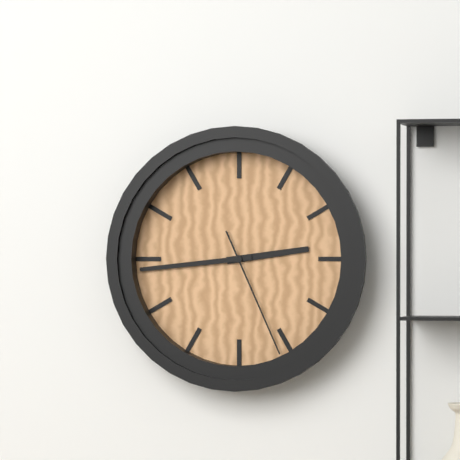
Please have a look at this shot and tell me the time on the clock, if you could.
2:44:26
